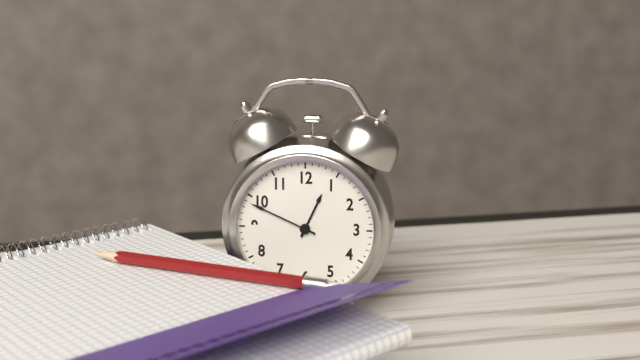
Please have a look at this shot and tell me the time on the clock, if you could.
12:49
